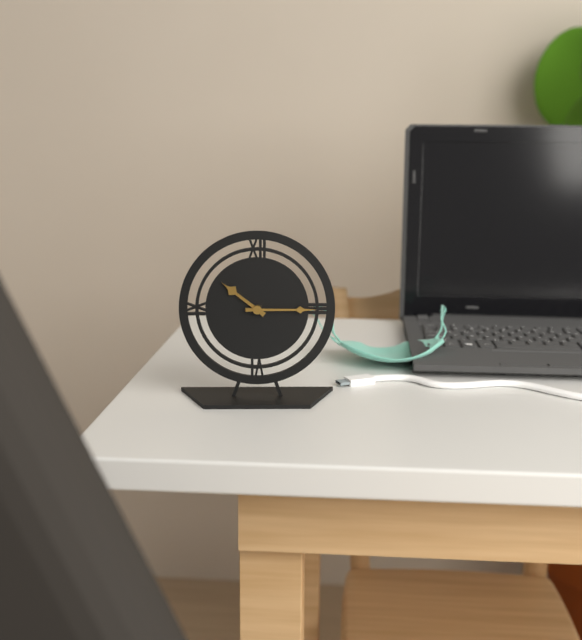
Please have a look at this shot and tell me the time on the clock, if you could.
10:15
